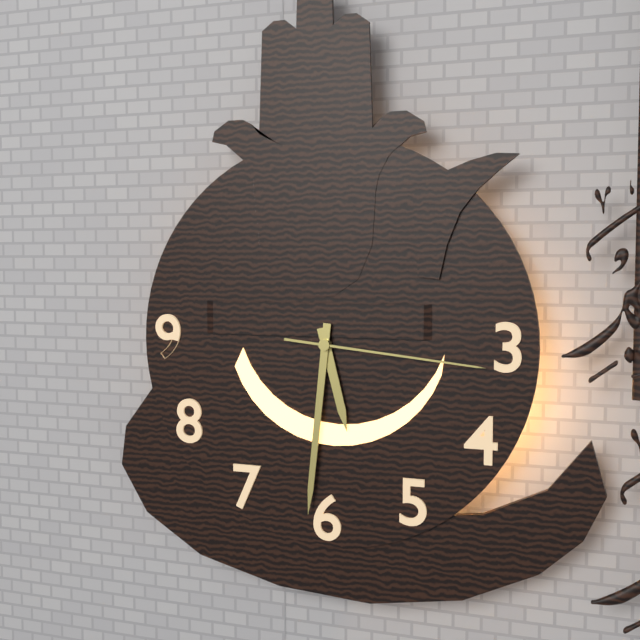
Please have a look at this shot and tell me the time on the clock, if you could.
5:31:16
